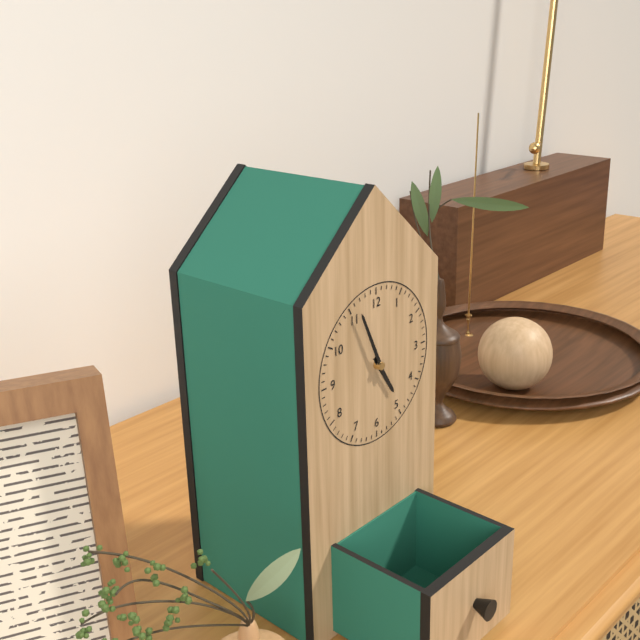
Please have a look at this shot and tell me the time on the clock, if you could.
4:56
